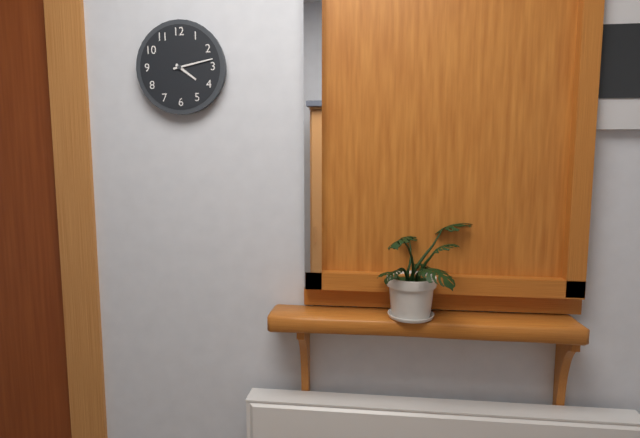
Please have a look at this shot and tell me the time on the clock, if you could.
4:13
